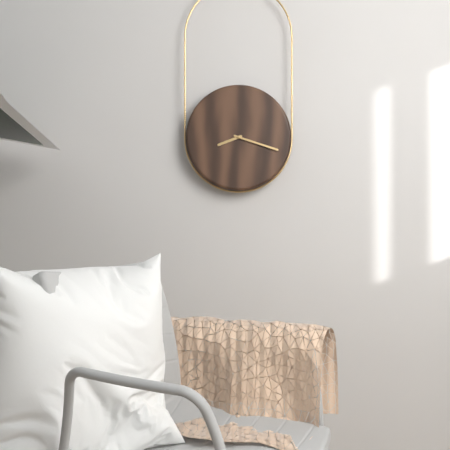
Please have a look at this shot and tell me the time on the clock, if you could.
8:18
